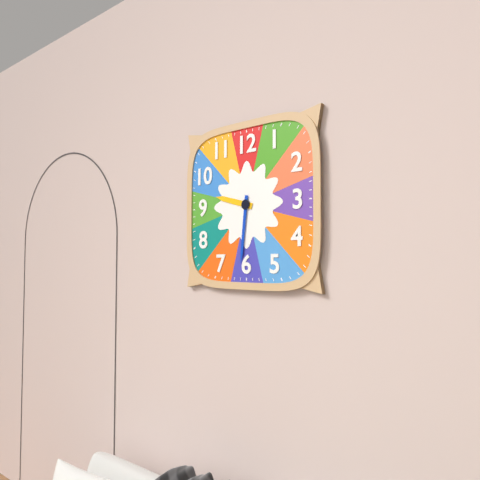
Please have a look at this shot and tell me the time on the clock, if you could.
9:31
